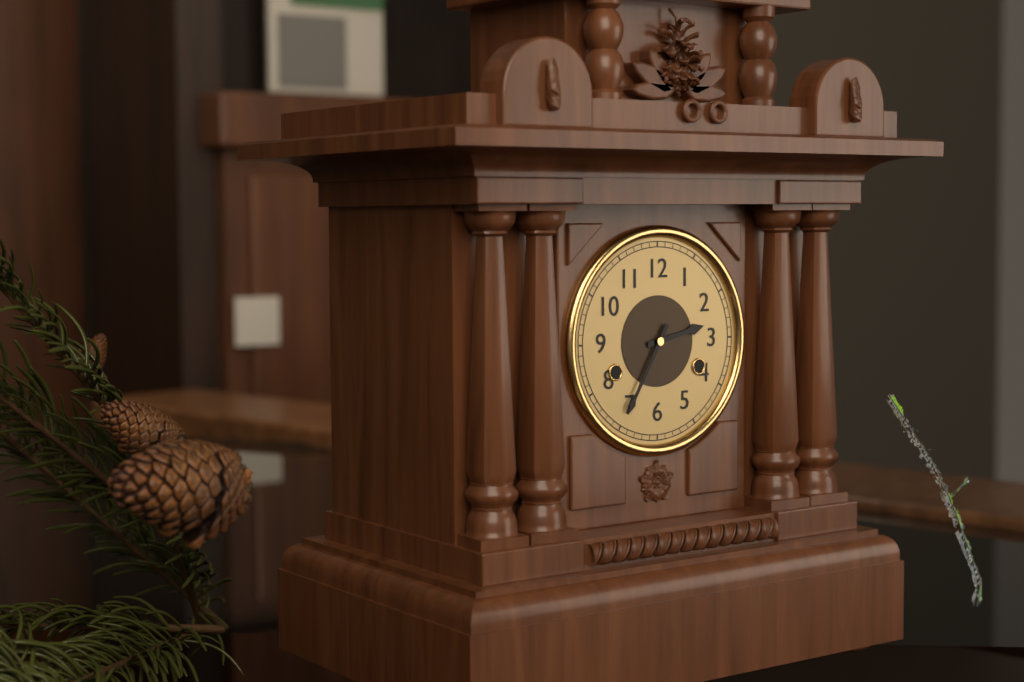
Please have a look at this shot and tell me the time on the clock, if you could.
2:35
